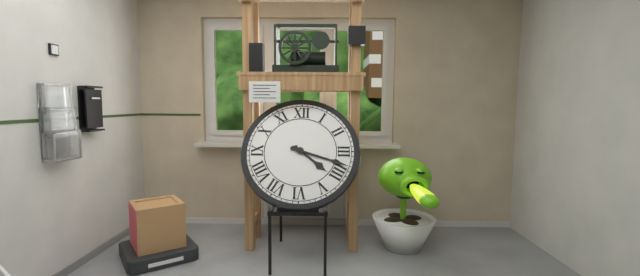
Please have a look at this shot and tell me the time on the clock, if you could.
4:18
